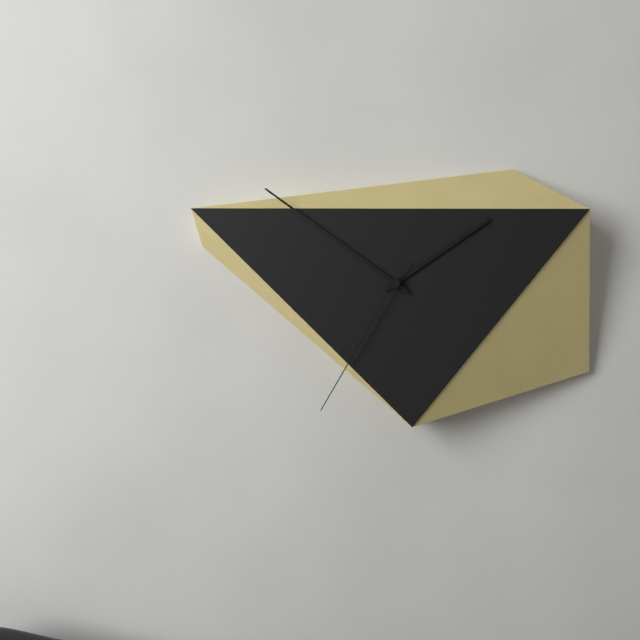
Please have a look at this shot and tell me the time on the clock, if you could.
1:51:35
